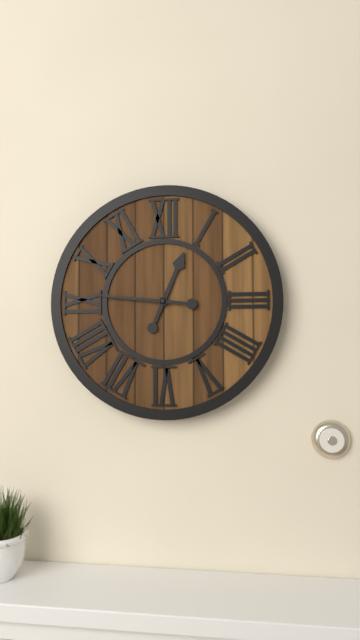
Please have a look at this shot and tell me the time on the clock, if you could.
12:46
